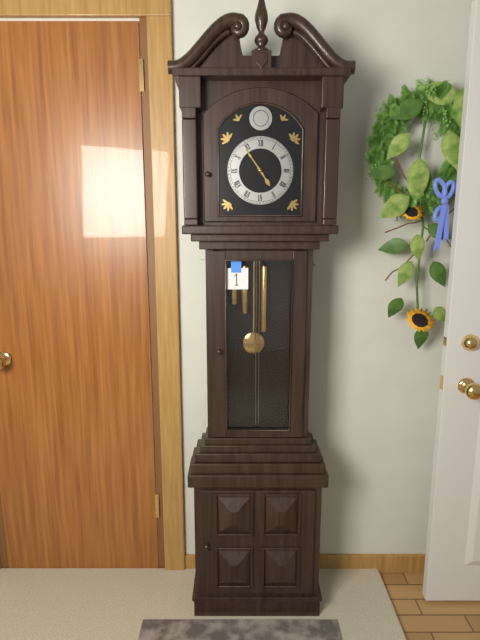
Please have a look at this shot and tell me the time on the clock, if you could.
4:54
